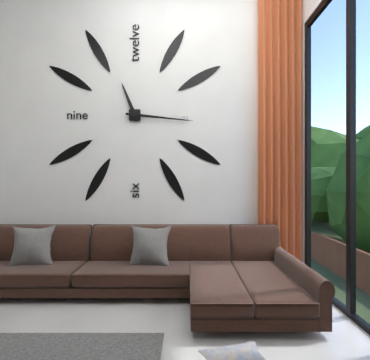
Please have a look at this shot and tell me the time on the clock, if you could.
11:16
